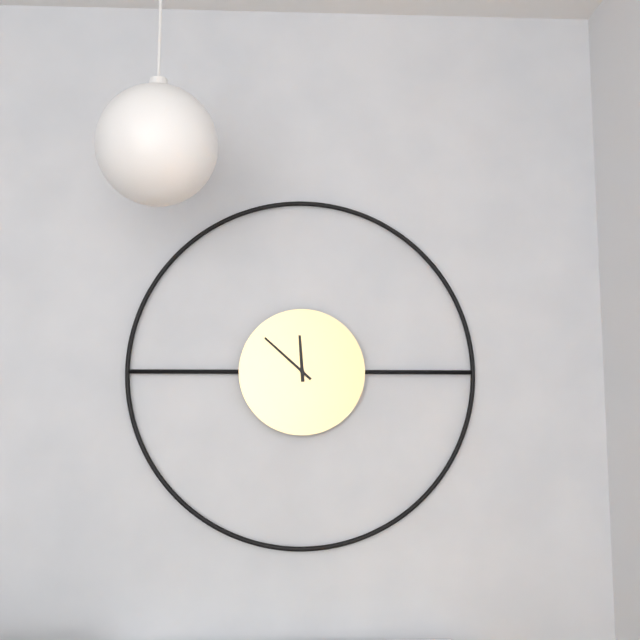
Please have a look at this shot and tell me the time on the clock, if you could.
11:52
